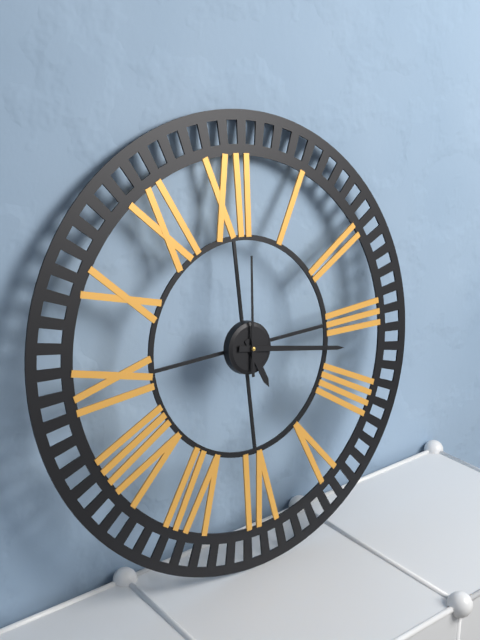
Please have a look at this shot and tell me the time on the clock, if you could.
5:17:01
